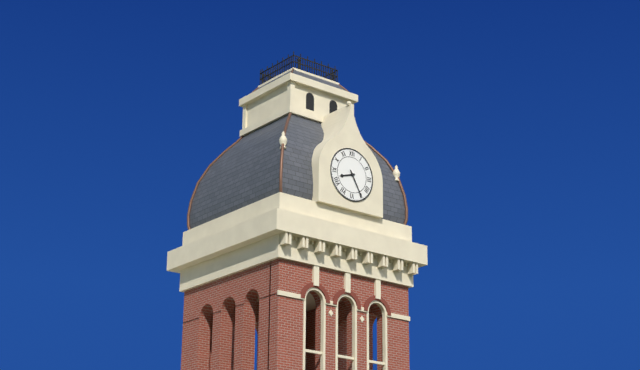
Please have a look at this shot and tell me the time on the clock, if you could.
8:25
